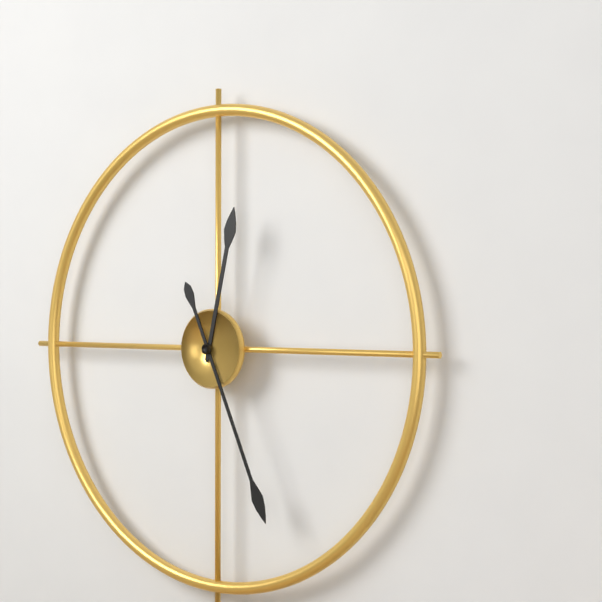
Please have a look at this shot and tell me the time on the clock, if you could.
12:26
